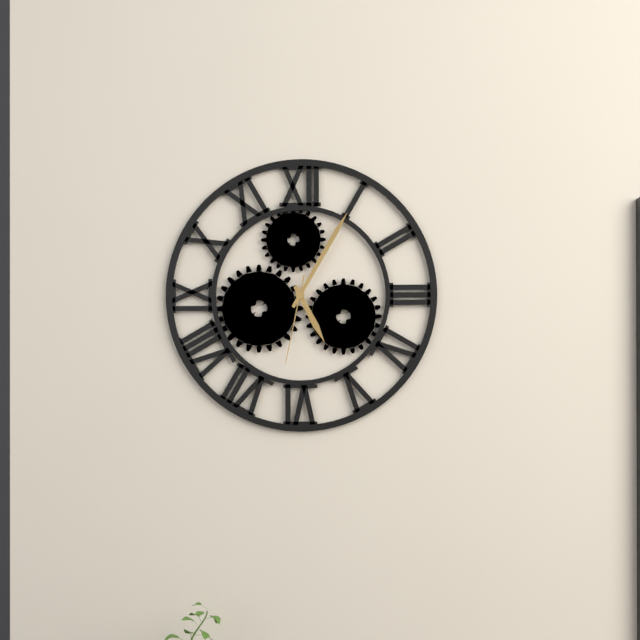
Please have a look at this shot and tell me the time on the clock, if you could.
5:05:32
